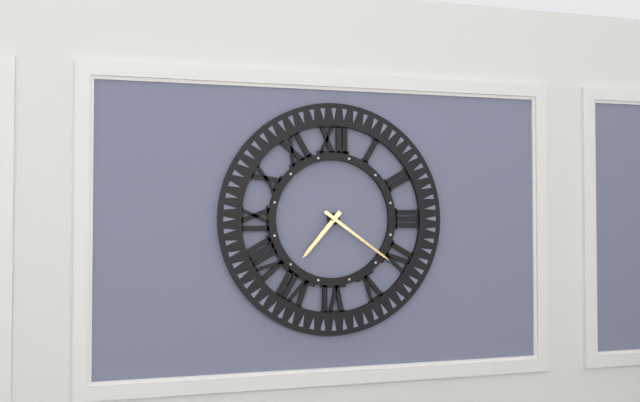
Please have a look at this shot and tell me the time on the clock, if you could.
7:21
